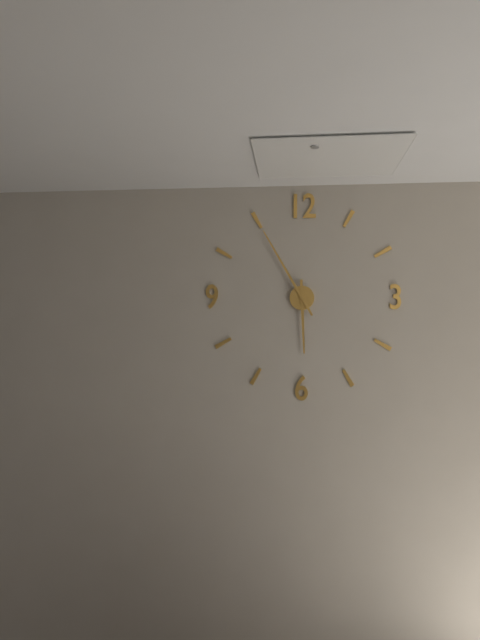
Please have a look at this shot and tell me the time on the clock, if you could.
5:55
